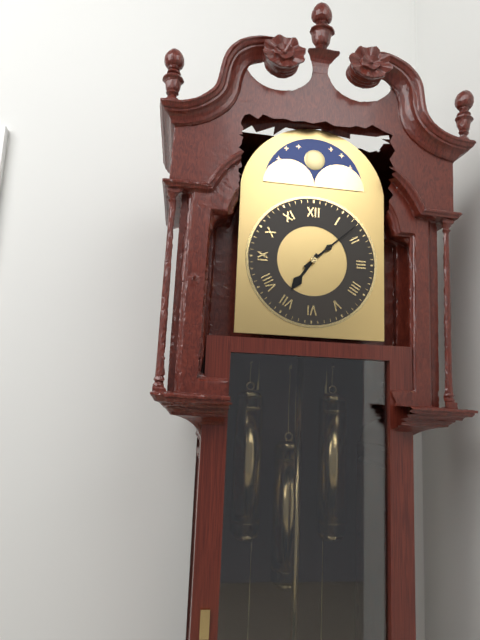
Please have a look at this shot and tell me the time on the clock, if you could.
7:08
